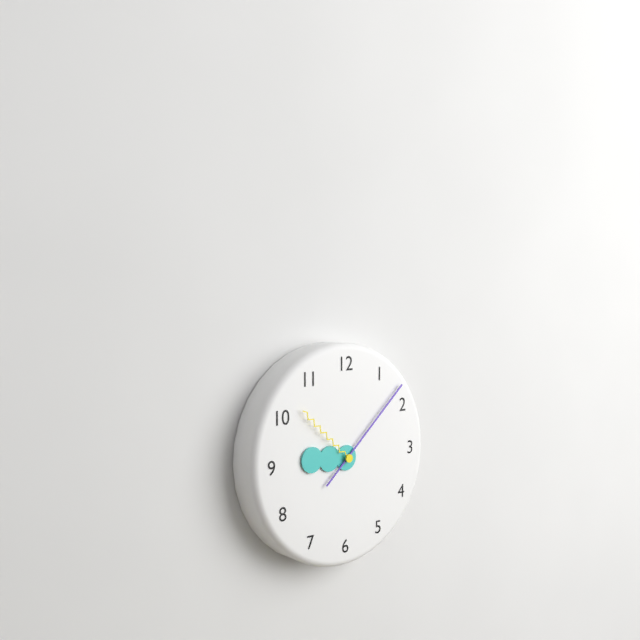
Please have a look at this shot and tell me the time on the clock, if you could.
9:08:52
